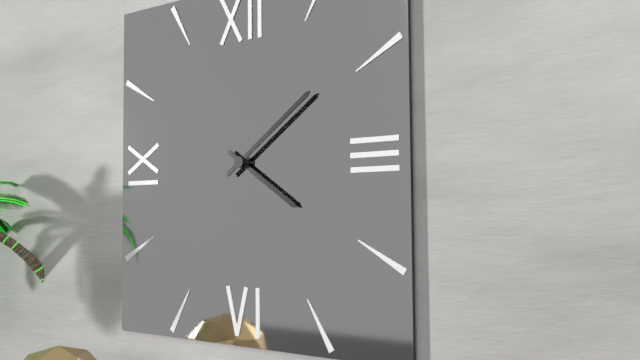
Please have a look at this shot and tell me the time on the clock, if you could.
4:09
